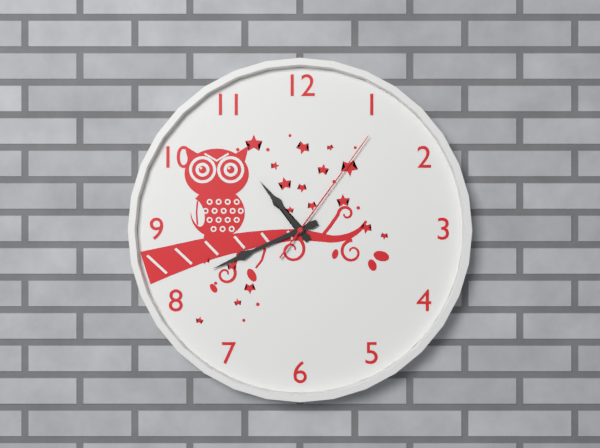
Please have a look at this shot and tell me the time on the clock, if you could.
10:41:06
